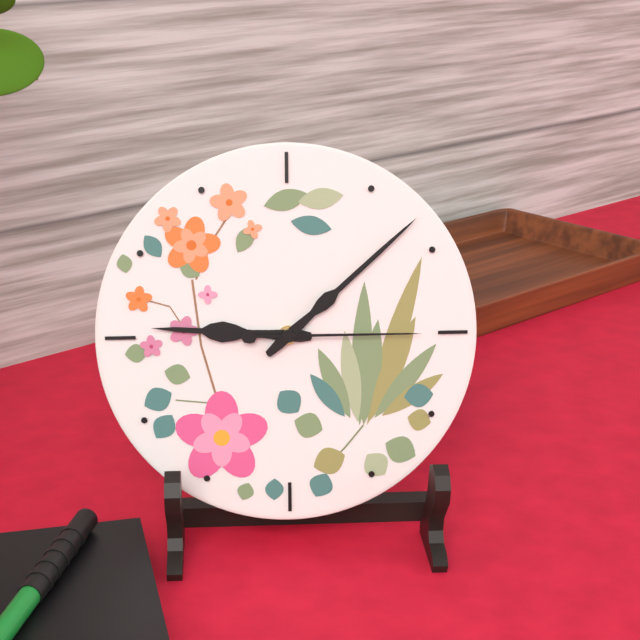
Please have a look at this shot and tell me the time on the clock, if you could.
9:08:15
